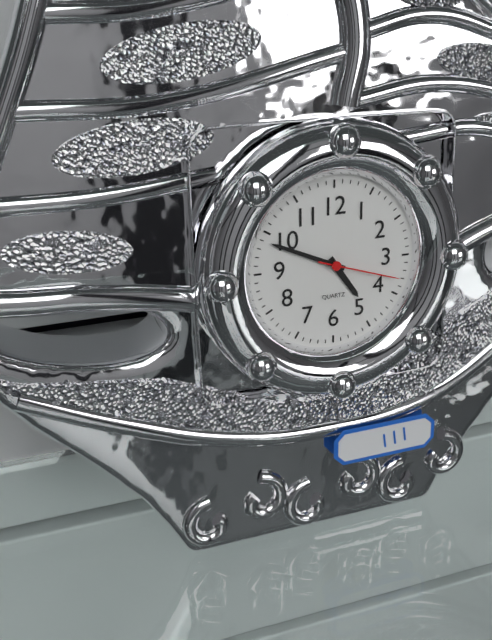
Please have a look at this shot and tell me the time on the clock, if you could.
4:49:18
